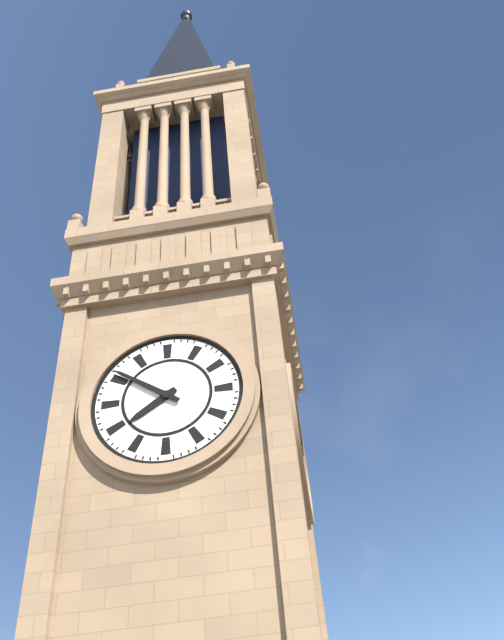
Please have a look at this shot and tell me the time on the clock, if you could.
7:51
